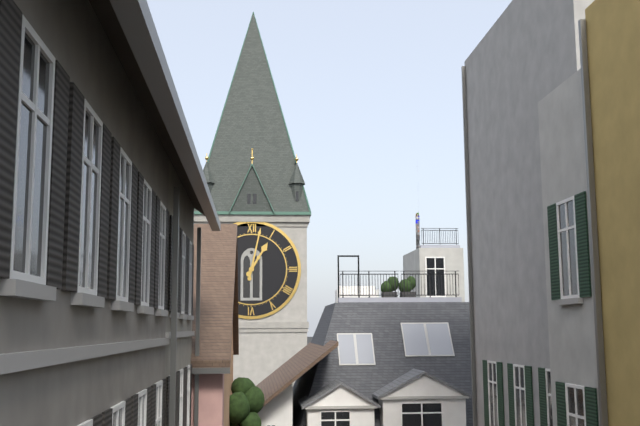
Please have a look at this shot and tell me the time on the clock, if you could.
1:02
